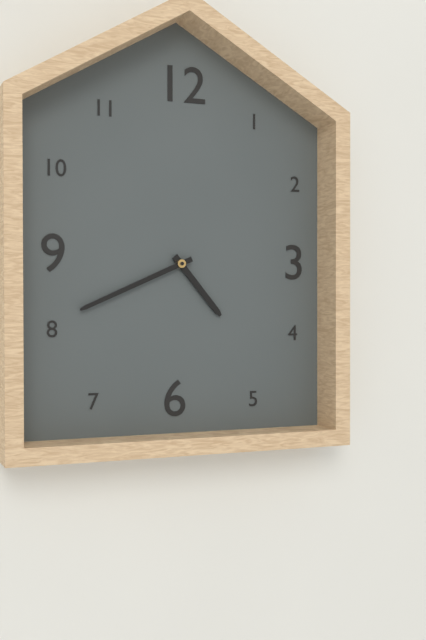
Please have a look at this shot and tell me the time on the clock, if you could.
4:41
